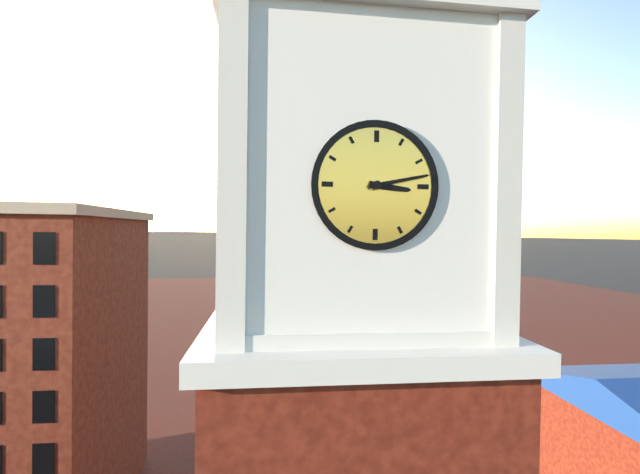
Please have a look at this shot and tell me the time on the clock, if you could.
3:13
